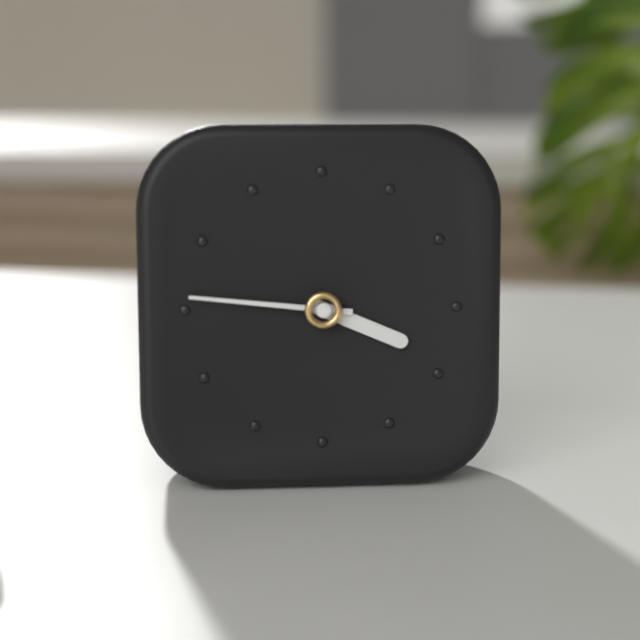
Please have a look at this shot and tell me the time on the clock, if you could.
3:46
